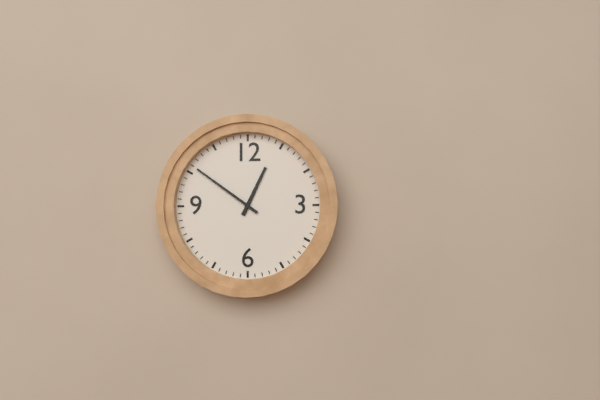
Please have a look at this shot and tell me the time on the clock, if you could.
12:51
